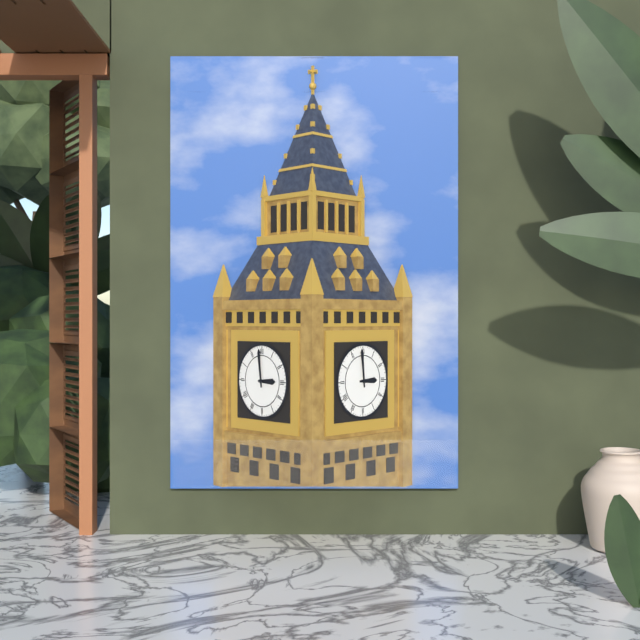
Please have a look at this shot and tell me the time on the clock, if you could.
2:59
